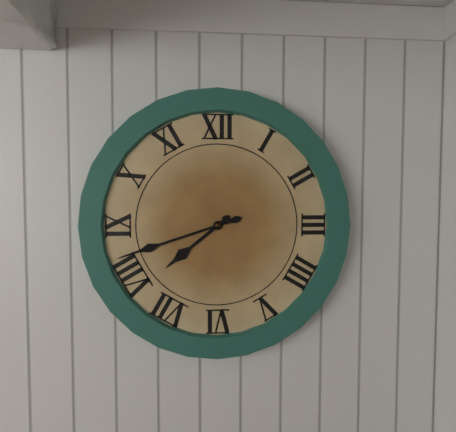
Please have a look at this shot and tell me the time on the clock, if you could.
7:42
